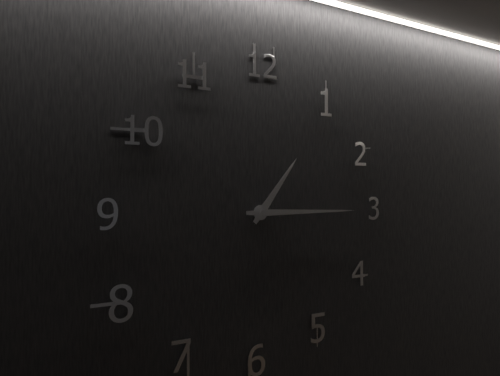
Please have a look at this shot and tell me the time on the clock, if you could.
1:15
